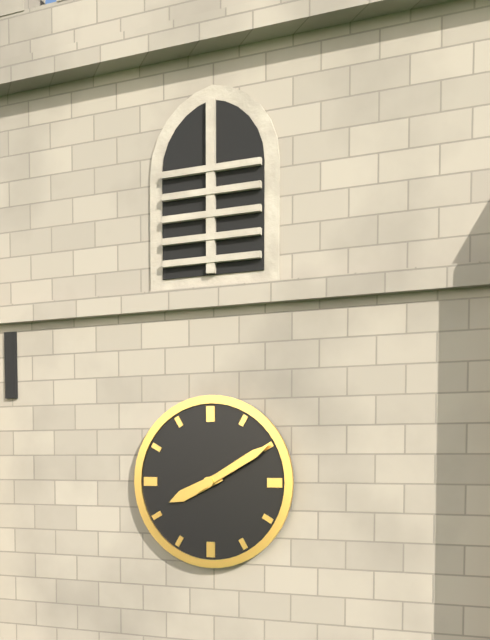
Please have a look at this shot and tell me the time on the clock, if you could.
8:10
